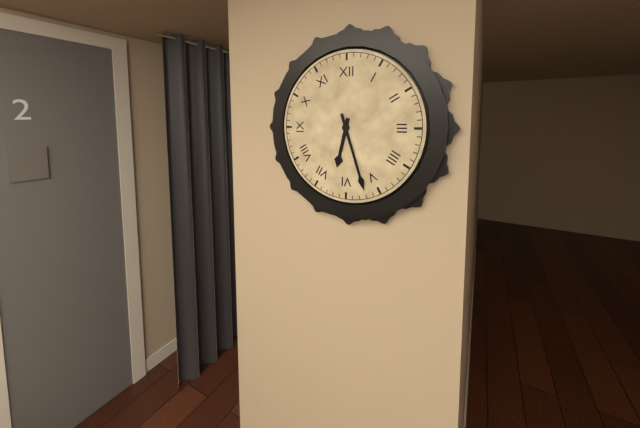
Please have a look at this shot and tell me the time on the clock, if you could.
6:27
